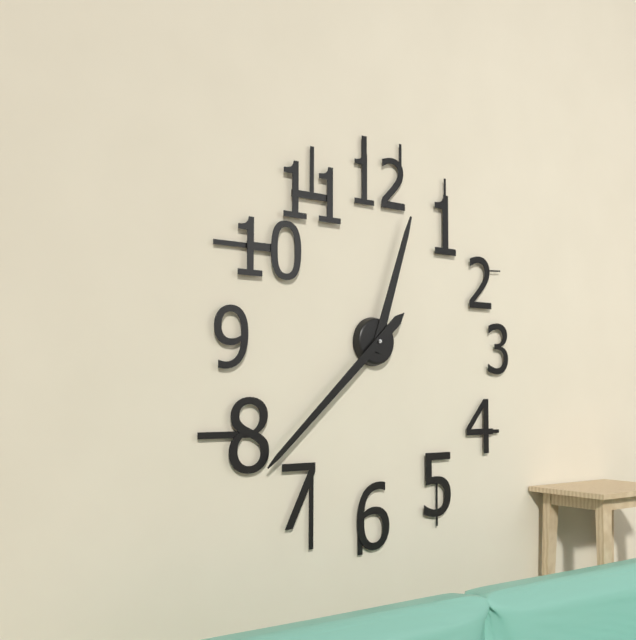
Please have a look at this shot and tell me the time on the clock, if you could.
12:38
